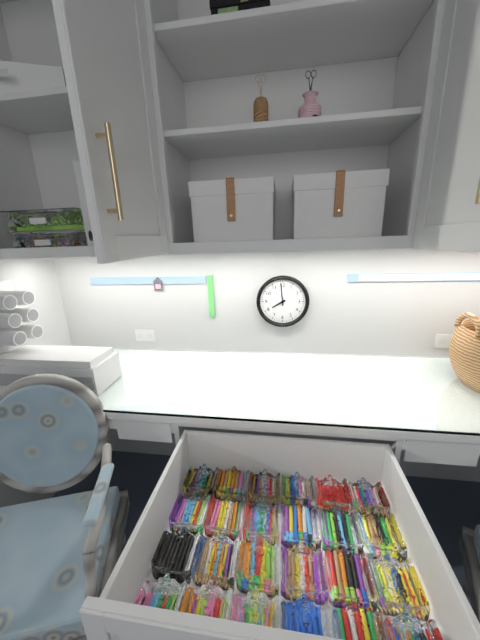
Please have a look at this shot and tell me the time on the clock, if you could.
7:59
